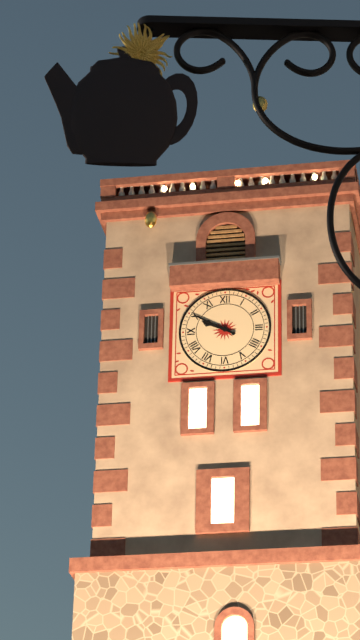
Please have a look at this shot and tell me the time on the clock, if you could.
9:50
